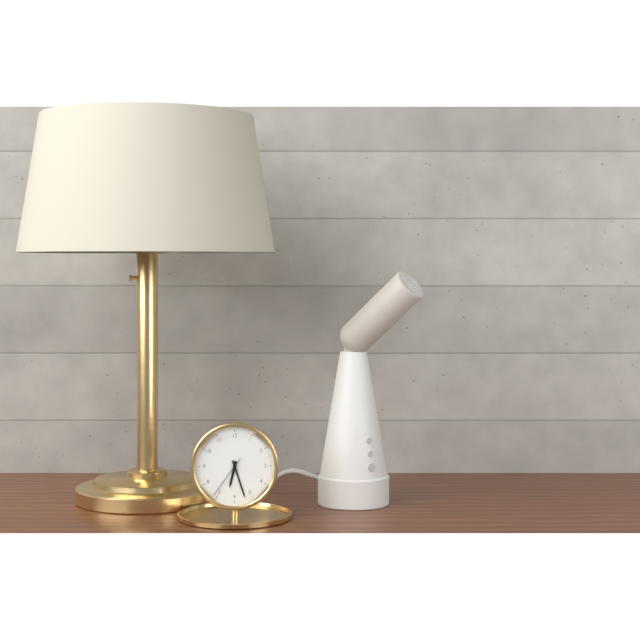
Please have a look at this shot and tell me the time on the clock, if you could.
6:27
